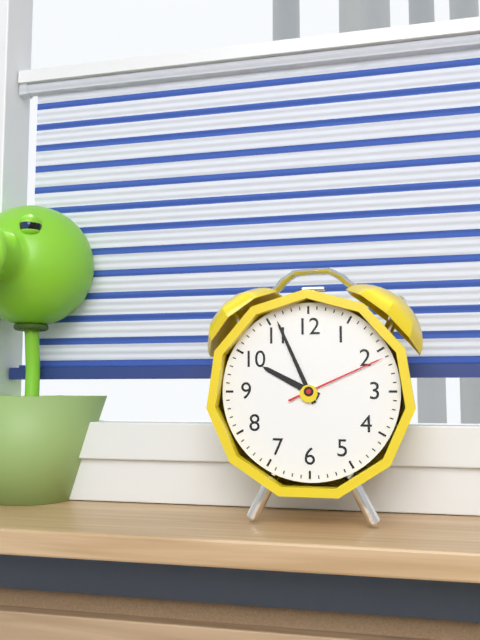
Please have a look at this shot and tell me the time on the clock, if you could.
9:56:11
